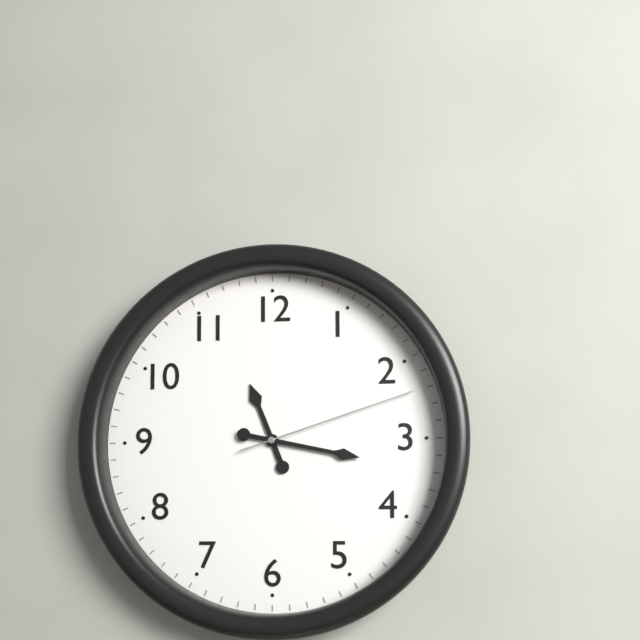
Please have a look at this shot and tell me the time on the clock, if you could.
11:17:12
